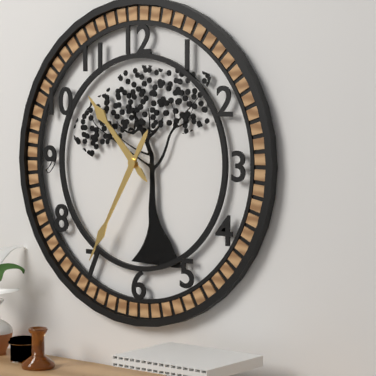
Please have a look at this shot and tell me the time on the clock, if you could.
10:35
